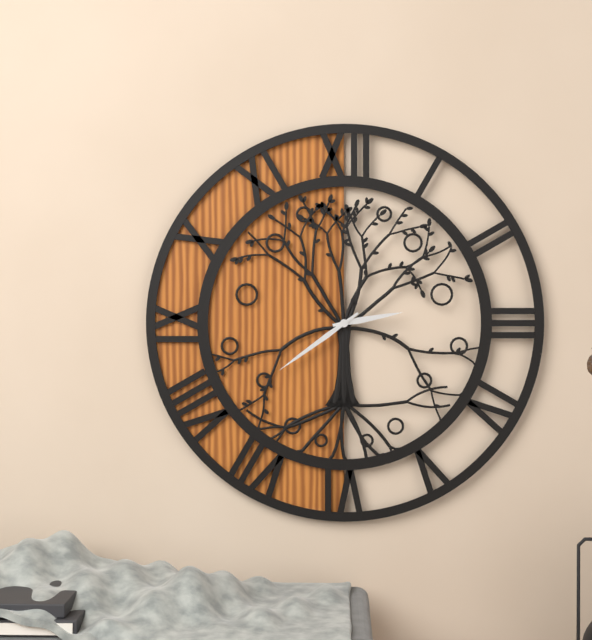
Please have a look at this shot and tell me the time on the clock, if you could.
2:39
